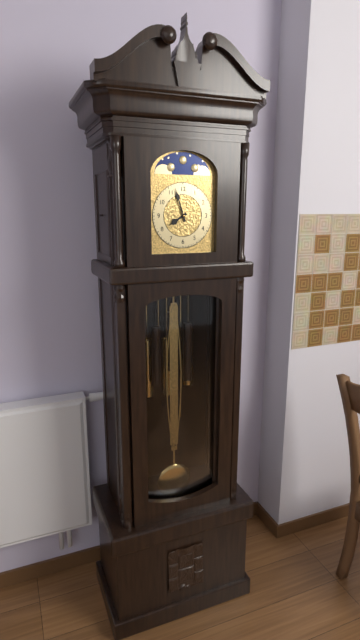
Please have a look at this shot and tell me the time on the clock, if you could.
7:57
